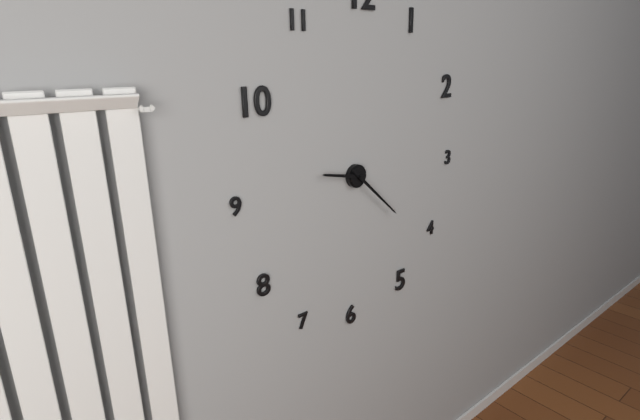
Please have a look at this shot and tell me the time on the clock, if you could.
9:22
